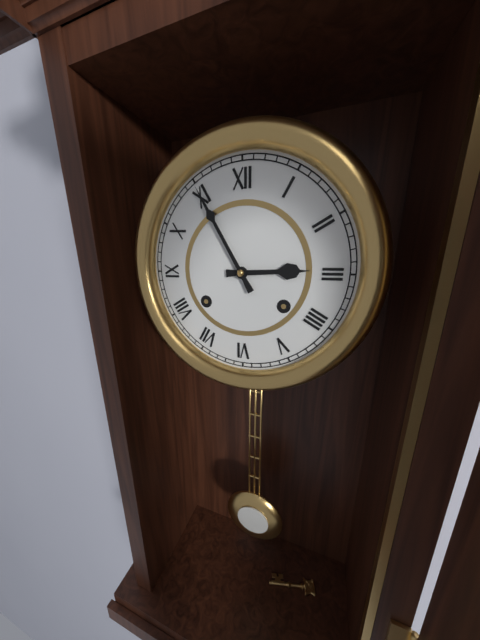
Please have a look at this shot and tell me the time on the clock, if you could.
2:55
